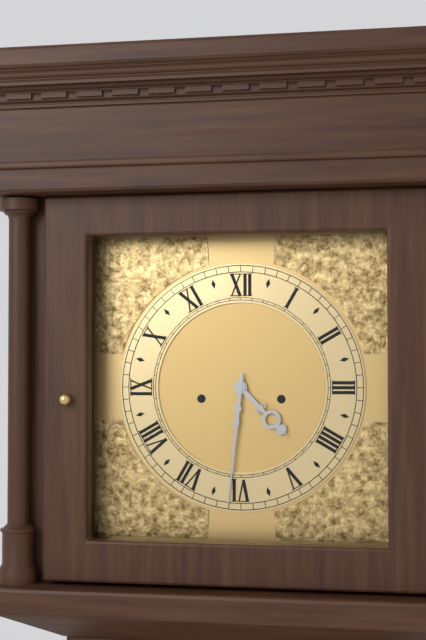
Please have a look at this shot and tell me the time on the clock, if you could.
4:31
